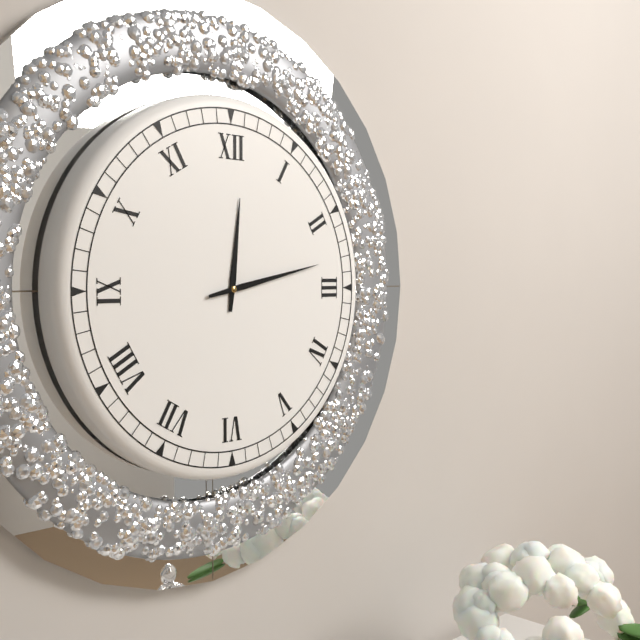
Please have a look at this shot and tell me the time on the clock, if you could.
12:13
